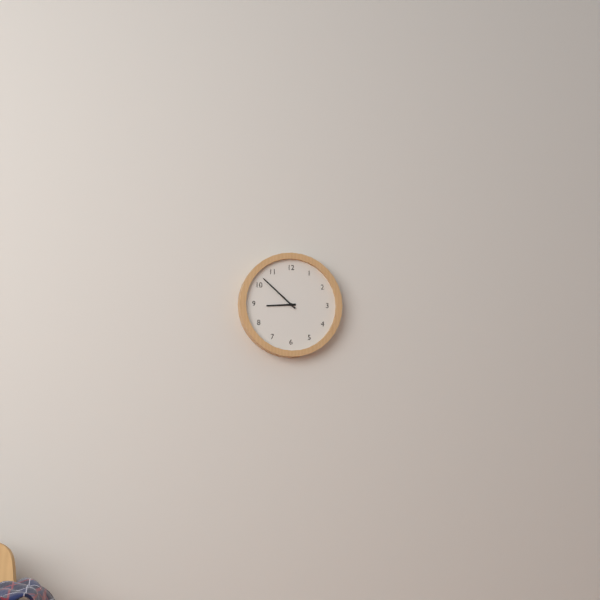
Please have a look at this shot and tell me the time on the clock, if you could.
8:52
